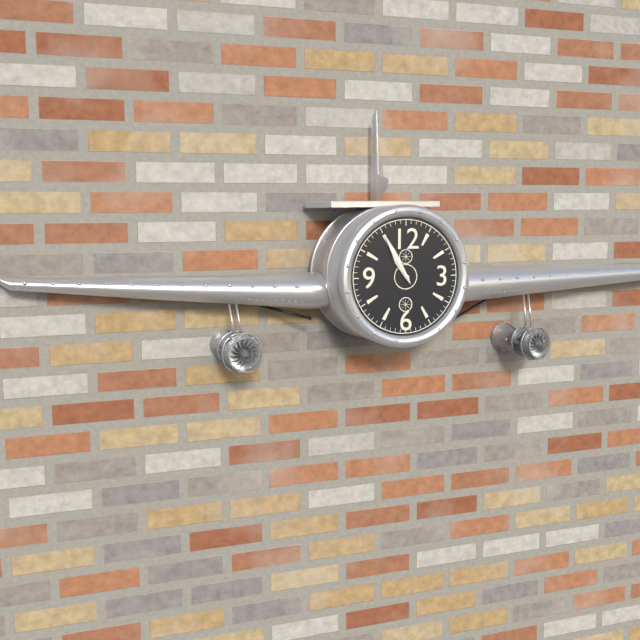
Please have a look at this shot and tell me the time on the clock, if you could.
10:55
